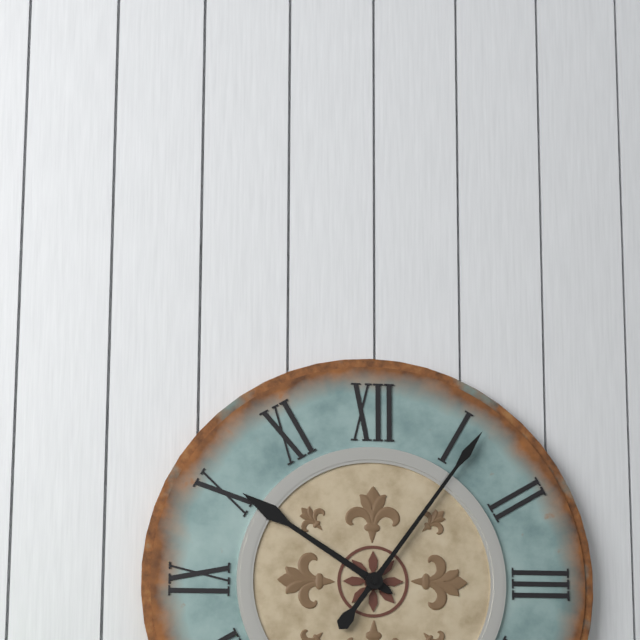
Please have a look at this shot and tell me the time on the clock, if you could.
10:06
